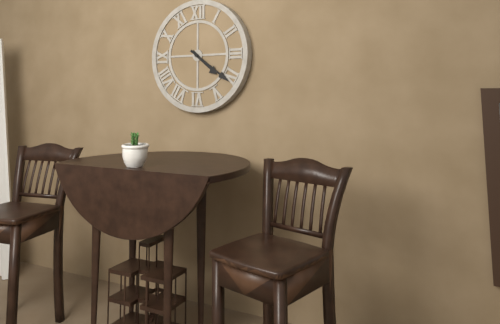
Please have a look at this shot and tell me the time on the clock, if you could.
4:21
